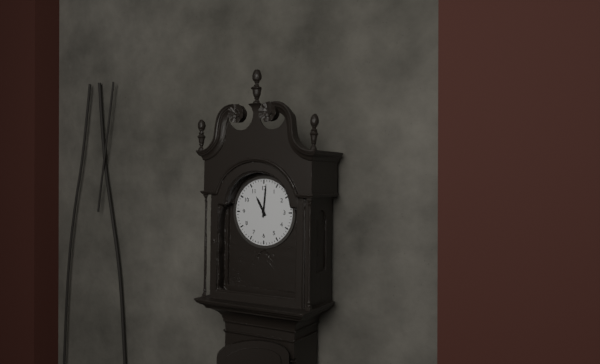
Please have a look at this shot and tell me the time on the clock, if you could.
11:01
